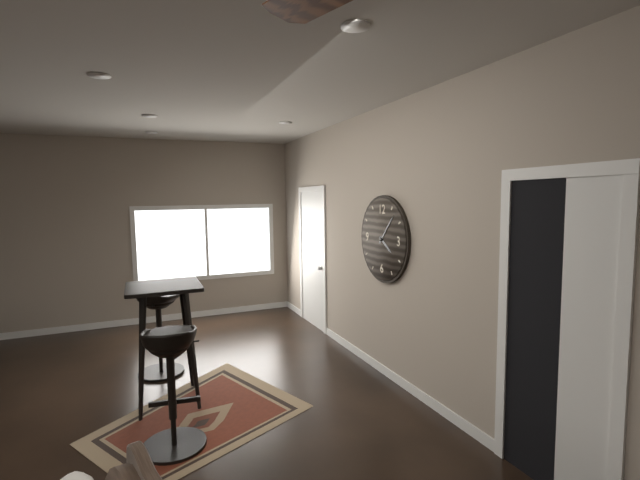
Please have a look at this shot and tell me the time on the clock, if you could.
4:07
